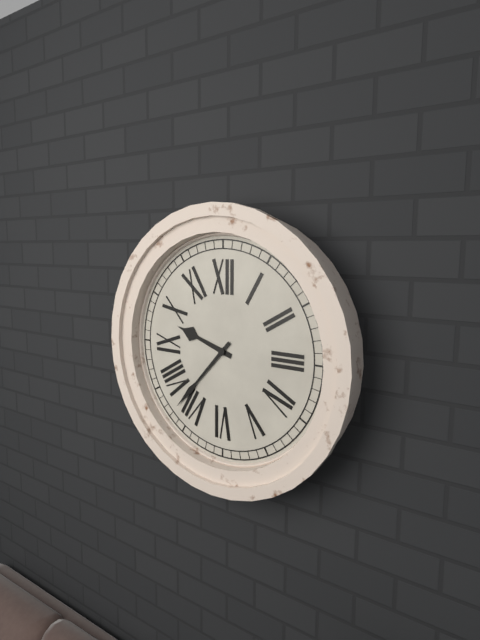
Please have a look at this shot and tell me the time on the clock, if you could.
9:37
